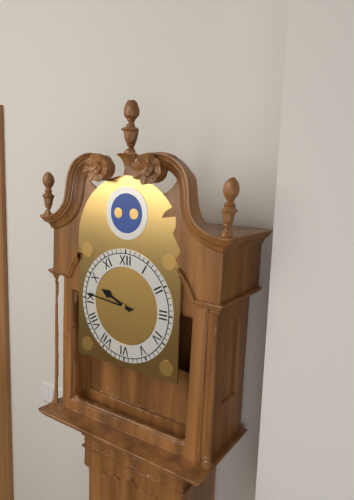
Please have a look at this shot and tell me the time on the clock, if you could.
9:46
